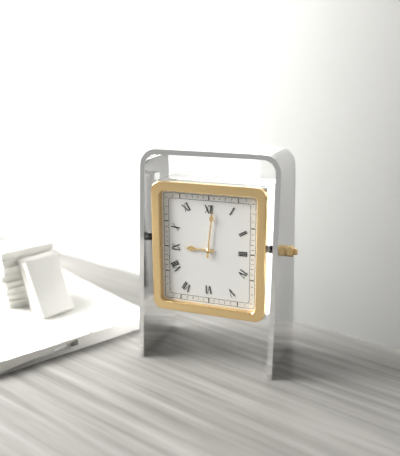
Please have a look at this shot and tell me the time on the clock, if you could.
9:01
